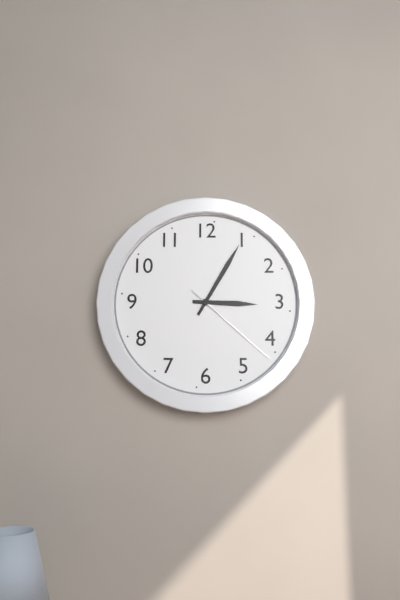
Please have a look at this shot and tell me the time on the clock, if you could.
3:05:22
